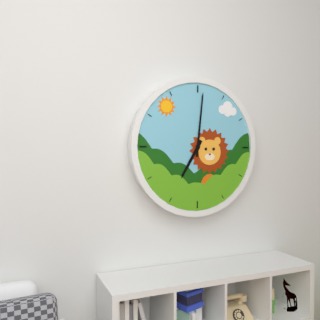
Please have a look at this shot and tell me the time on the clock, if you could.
7:01
